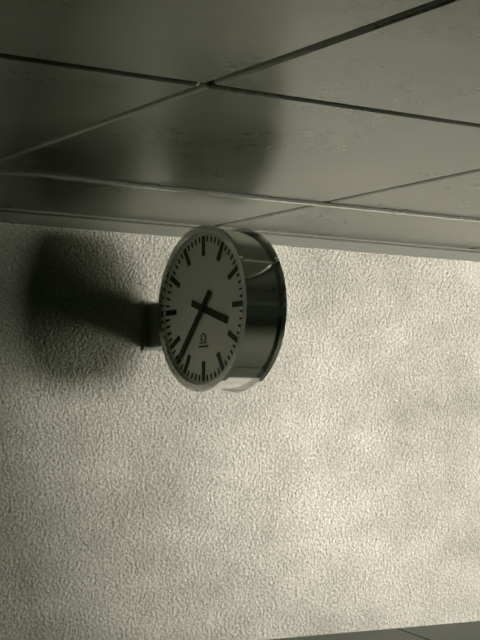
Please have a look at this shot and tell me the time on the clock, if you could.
3:37
